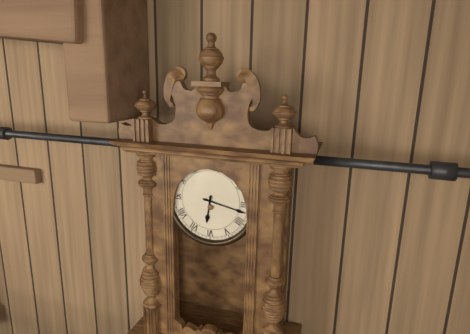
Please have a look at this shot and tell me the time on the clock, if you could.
6:17
